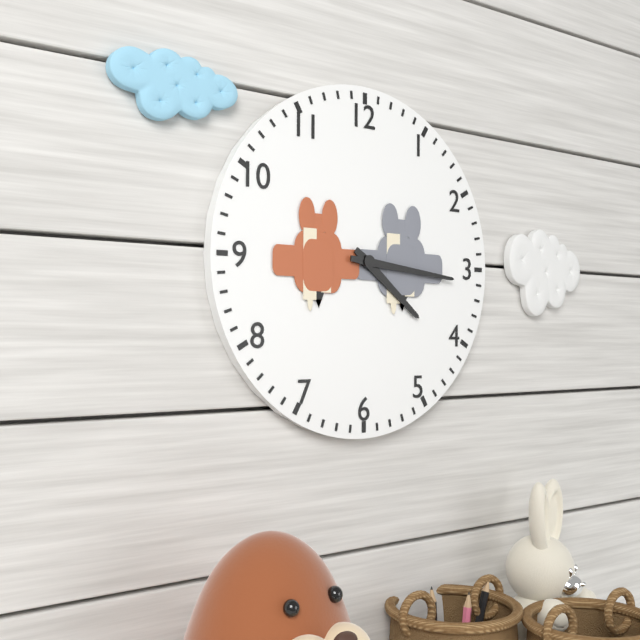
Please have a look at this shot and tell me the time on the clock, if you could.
4:16
